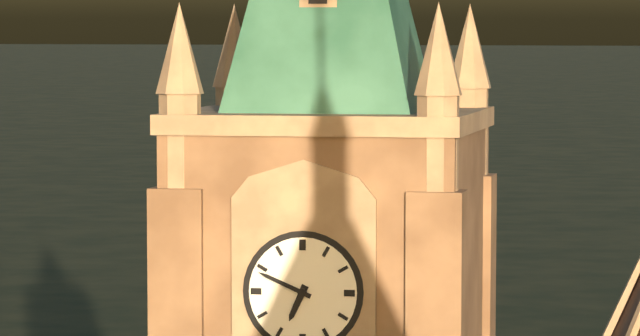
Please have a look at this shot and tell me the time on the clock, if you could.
6:49
